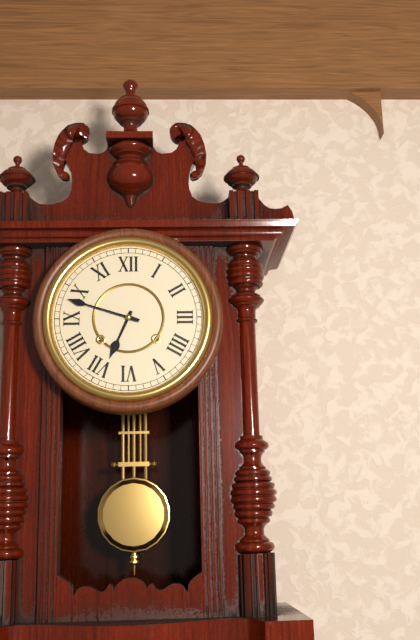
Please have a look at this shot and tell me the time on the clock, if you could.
6:48
